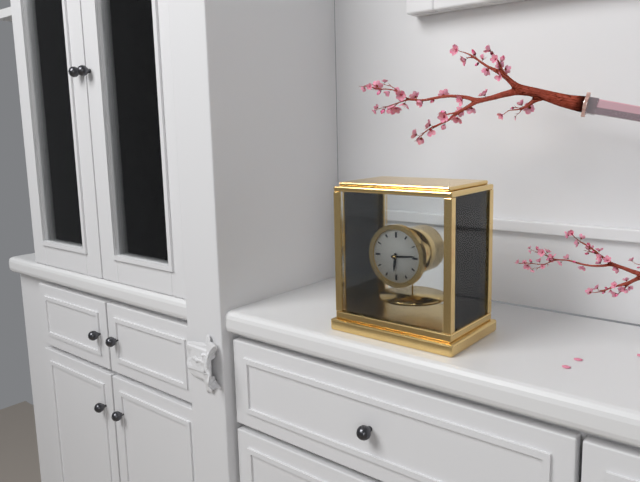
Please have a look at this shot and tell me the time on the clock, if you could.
6:14
